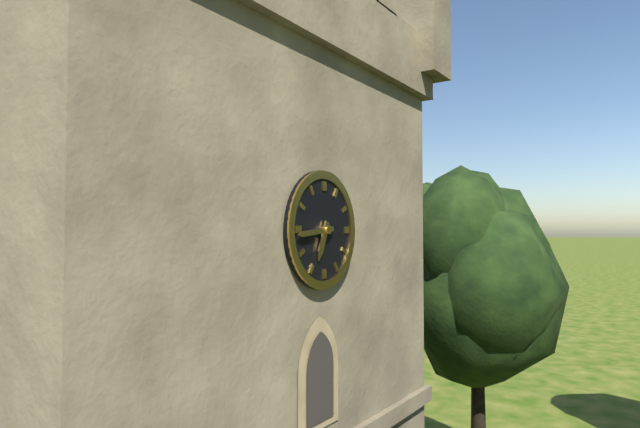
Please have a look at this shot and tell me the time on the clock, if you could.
6:44
